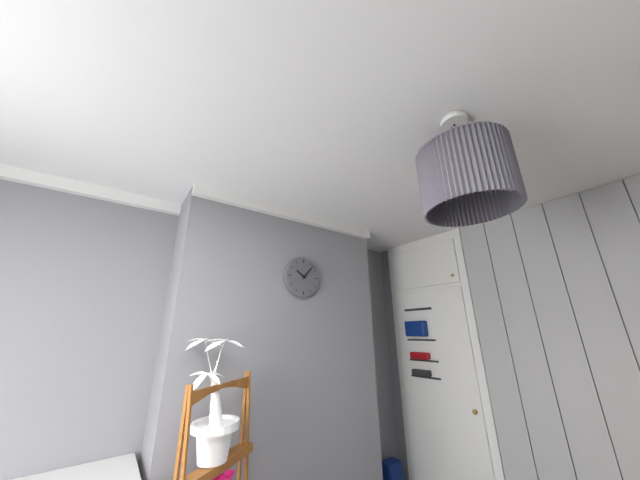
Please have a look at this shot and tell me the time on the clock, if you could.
10:07
